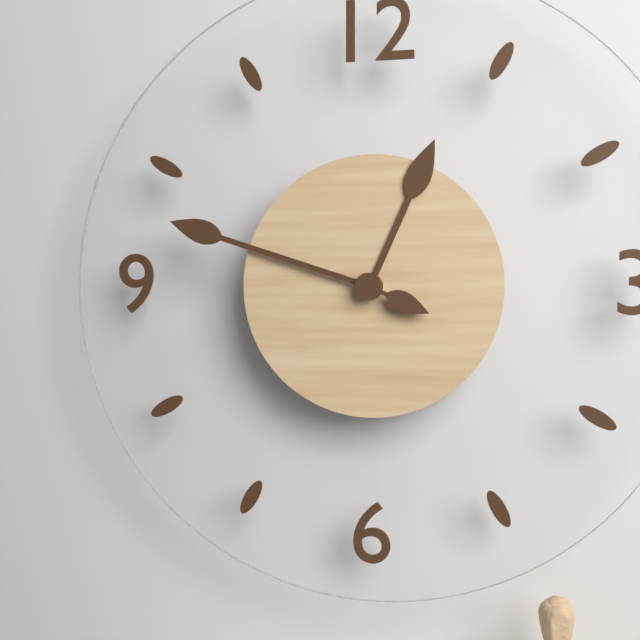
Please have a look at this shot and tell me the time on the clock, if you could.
12:48:19
